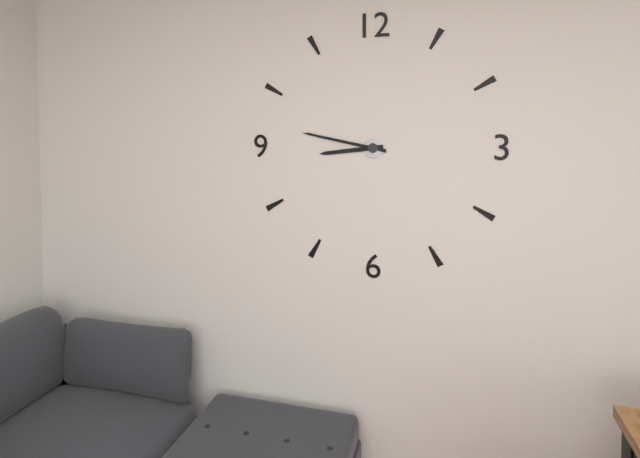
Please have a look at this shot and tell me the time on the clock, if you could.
8:47
